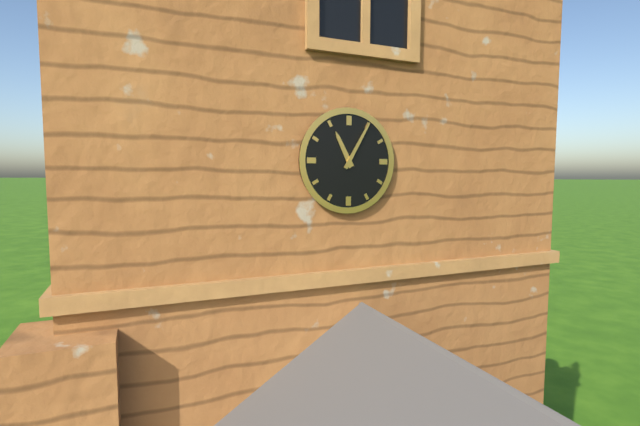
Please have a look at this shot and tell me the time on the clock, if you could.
11:05
